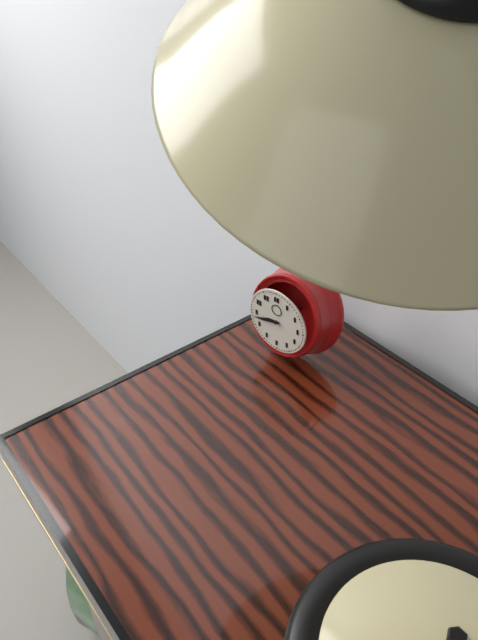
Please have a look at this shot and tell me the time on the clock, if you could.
8:43
